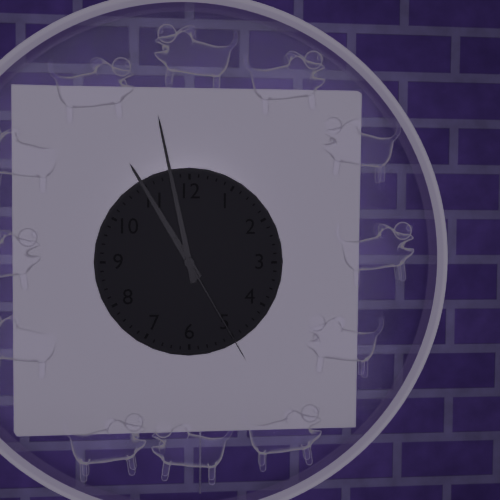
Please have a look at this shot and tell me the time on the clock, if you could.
10:58:25
